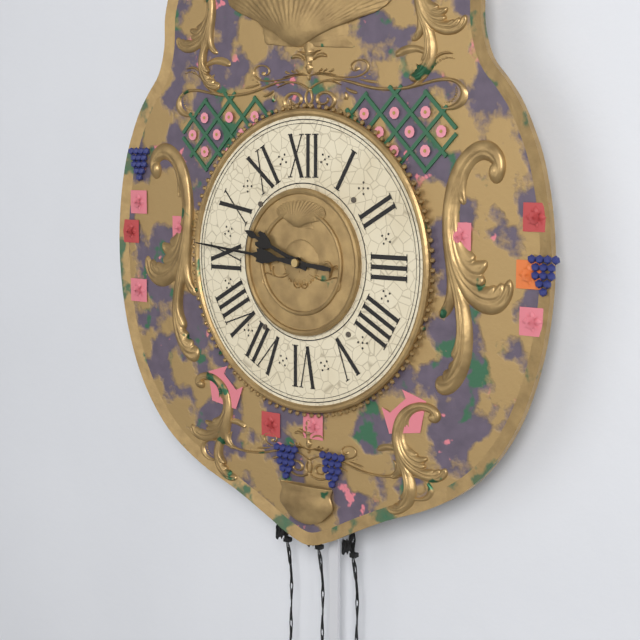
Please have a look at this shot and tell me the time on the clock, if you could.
9:46
